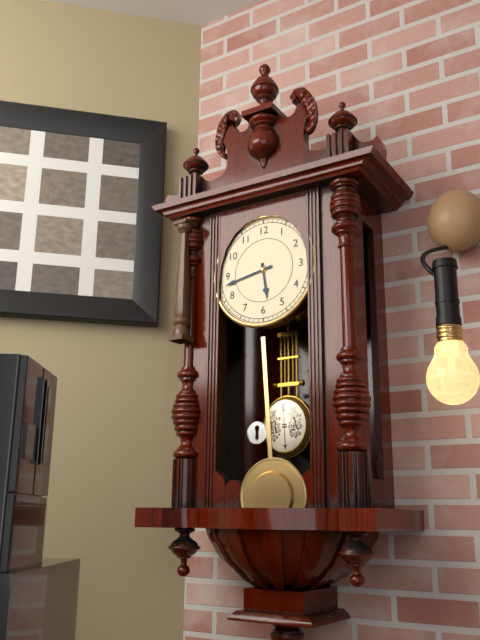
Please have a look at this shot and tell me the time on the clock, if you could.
5:43
